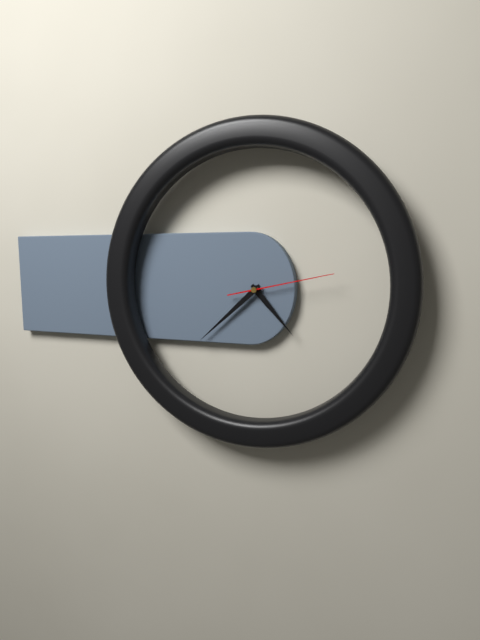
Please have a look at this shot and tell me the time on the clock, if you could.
4:38:13
